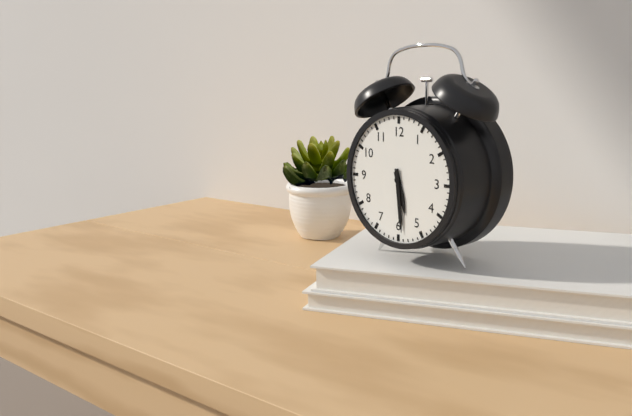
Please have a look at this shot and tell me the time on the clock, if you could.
5:29
